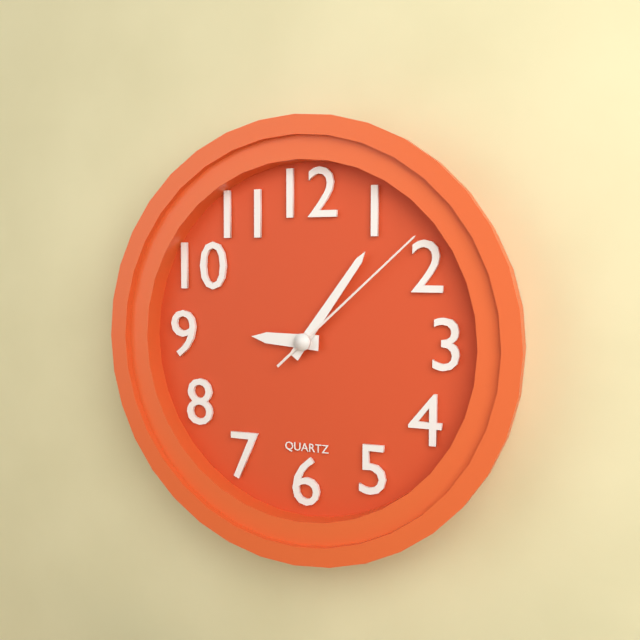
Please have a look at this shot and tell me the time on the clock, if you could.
9:06:08
